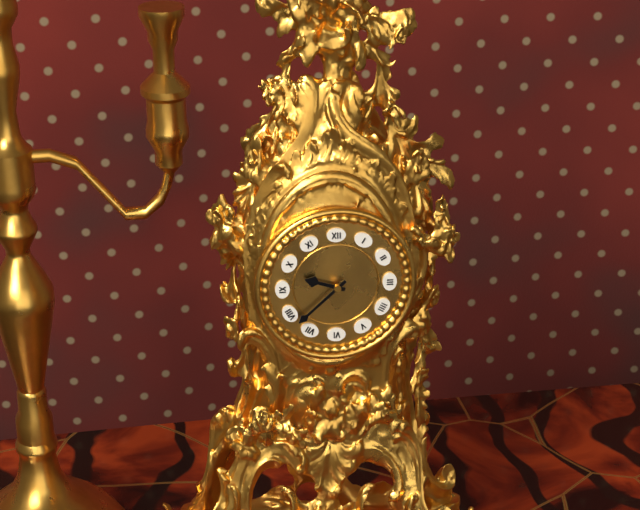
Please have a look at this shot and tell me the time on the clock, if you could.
9:38
